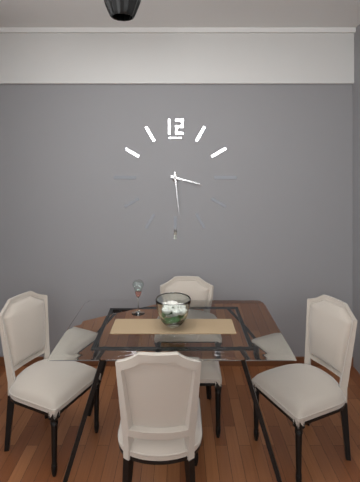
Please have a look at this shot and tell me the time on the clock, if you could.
3:29
